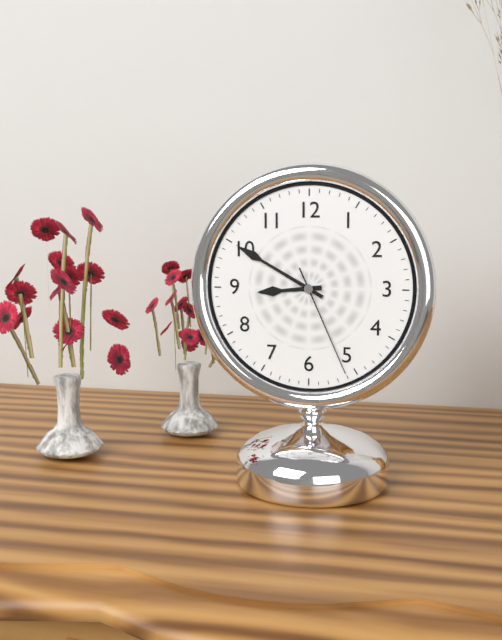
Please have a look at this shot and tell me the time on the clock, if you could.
8:50:26
